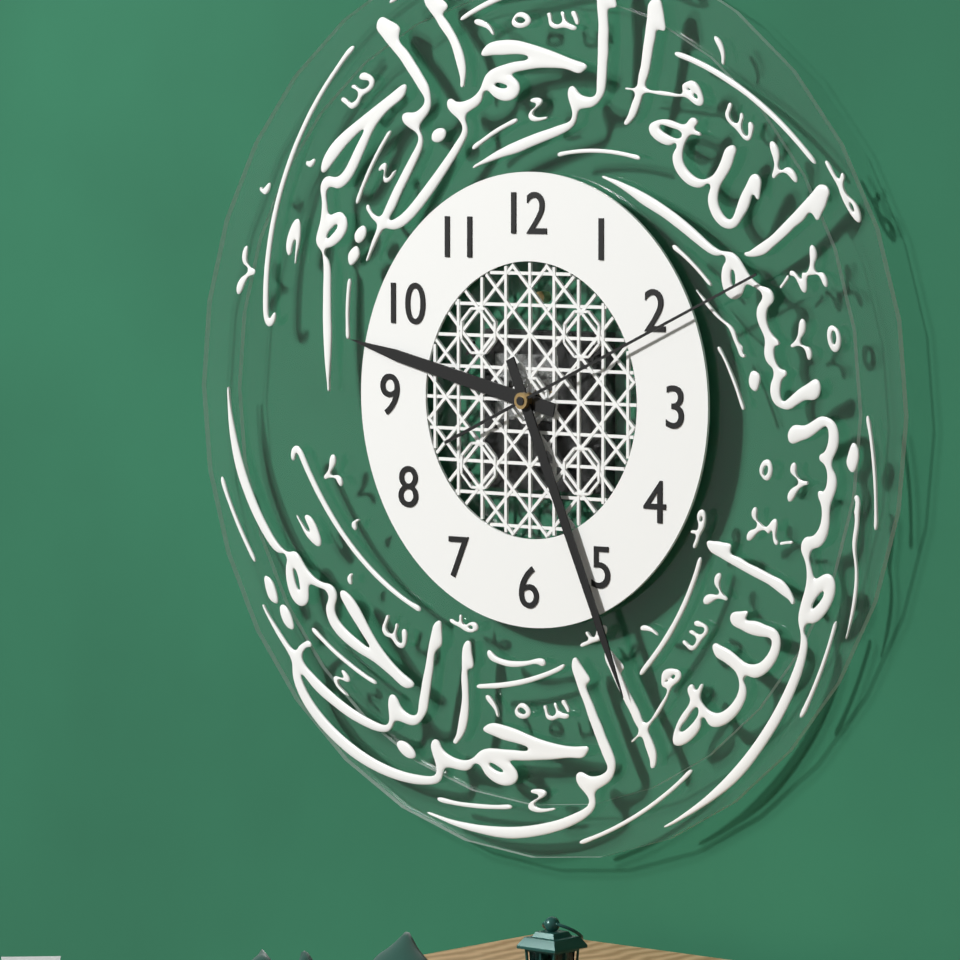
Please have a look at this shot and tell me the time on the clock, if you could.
9:26:11
